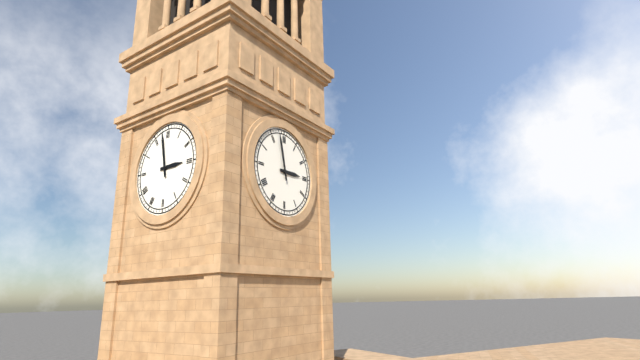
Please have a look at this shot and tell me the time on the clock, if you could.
2:58
